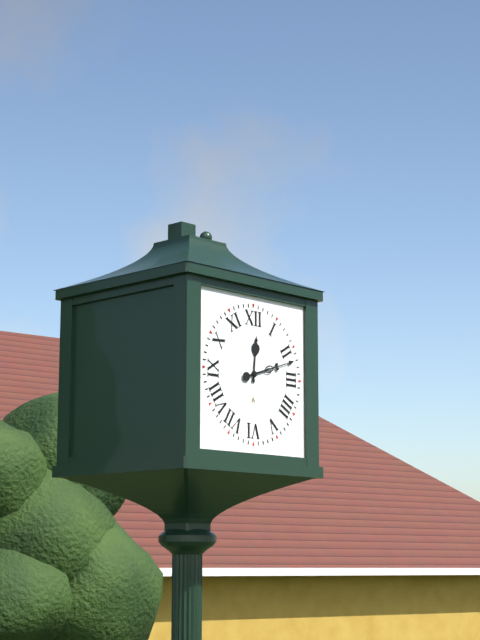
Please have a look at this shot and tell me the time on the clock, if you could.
12:12
